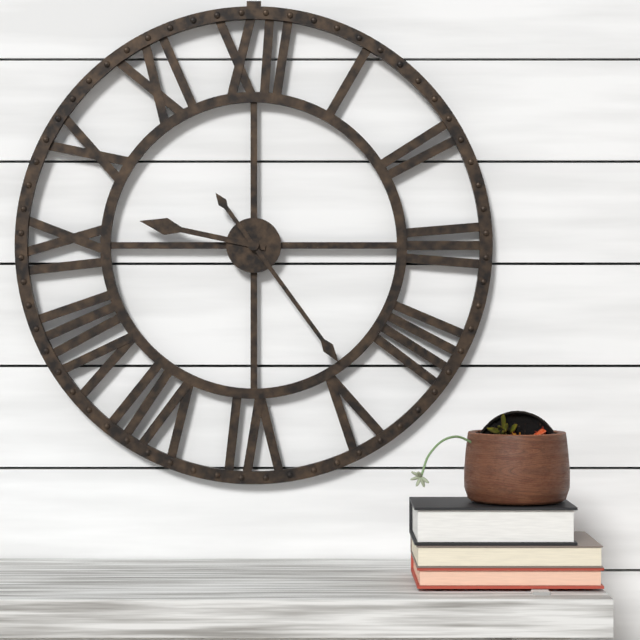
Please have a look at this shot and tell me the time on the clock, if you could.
9:24
